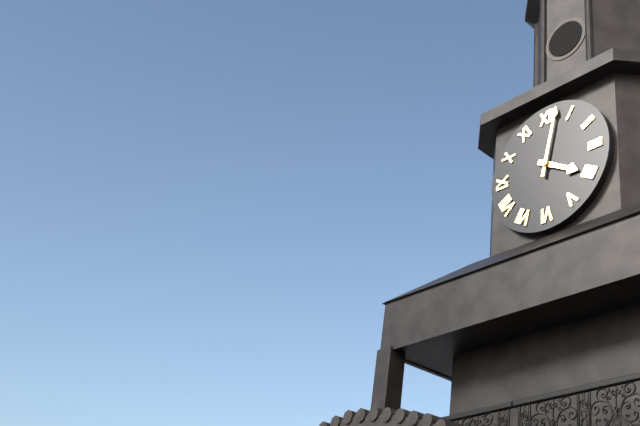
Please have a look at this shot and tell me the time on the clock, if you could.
4:02
